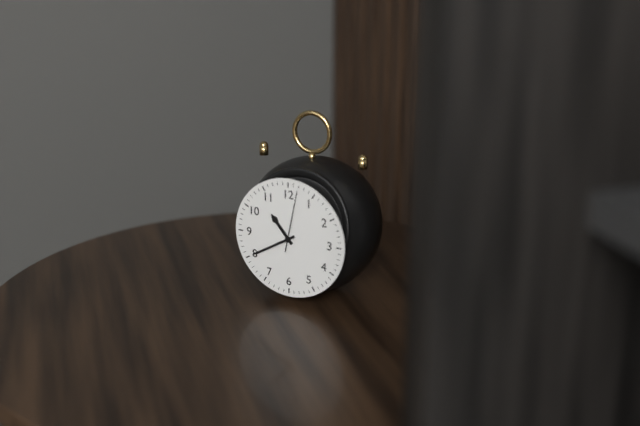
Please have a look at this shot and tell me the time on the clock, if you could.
10:40
